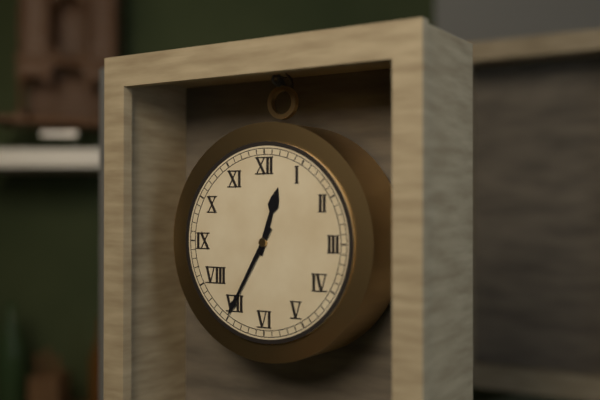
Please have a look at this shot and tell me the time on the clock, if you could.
12:35
